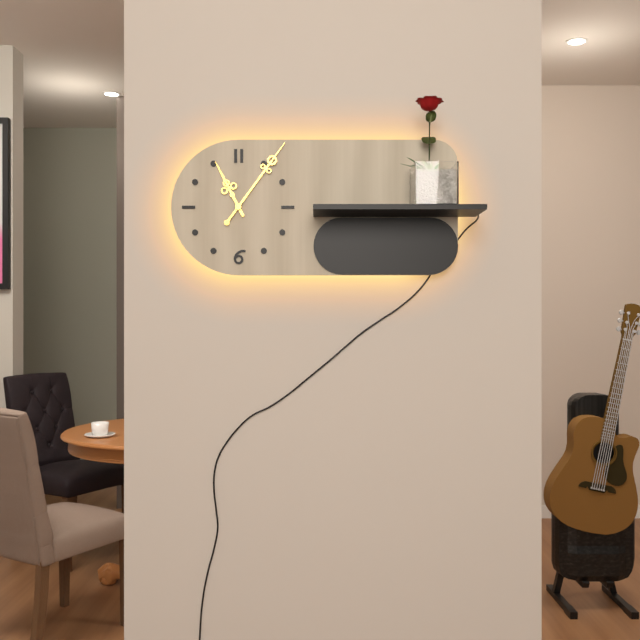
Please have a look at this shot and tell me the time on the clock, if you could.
11:06
